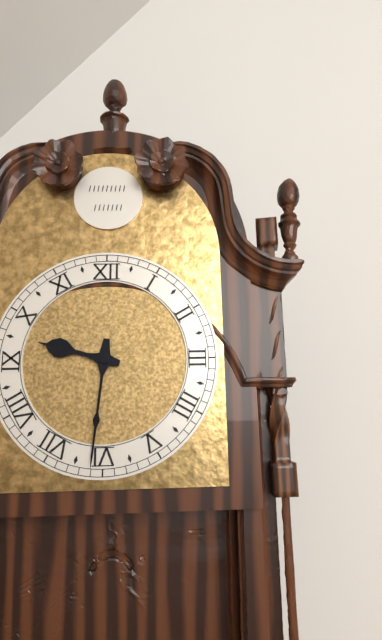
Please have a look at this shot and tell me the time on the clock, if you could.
9:31
